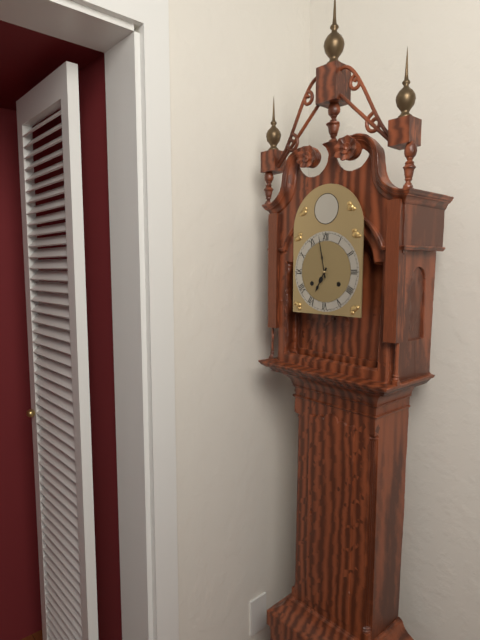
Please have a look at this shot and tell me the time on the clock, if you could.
6:58
